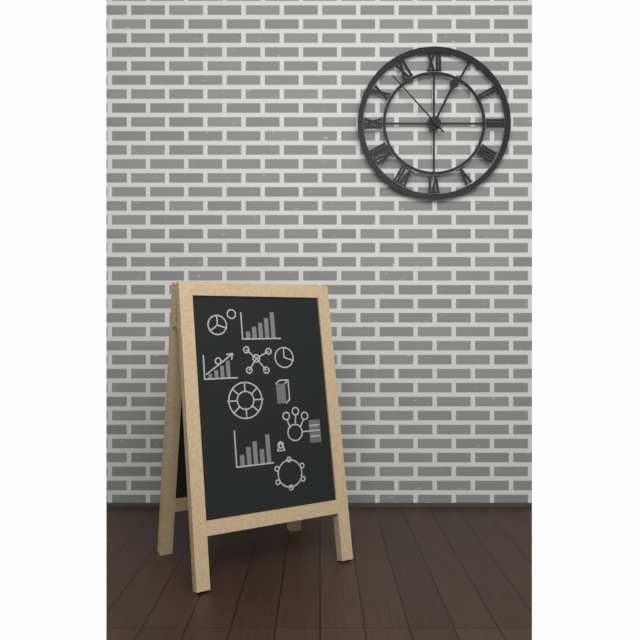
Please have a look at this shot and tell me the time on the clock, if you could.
12:53
